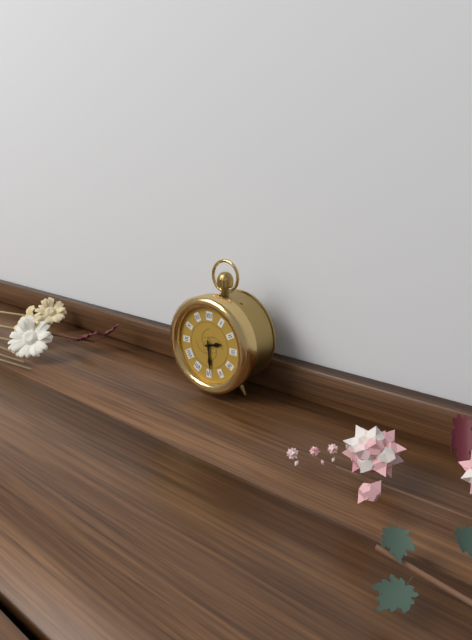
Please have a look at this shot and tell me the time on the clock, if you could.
2:29
